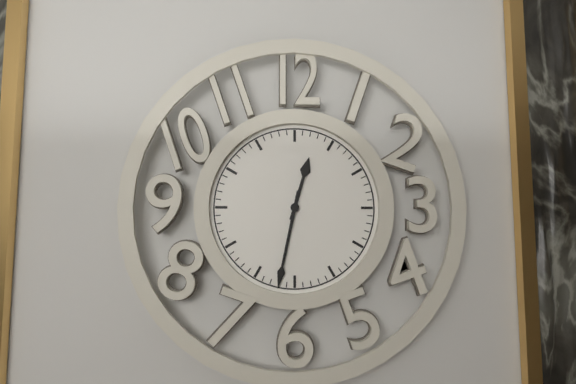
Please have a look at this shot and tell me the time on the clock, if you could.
12:32
